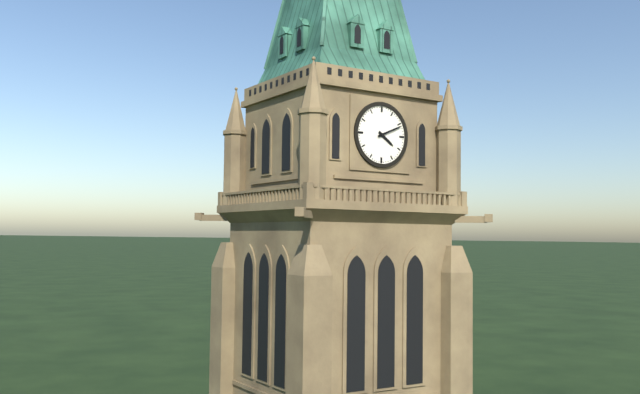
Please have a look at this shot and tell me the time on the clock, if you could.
4:11
